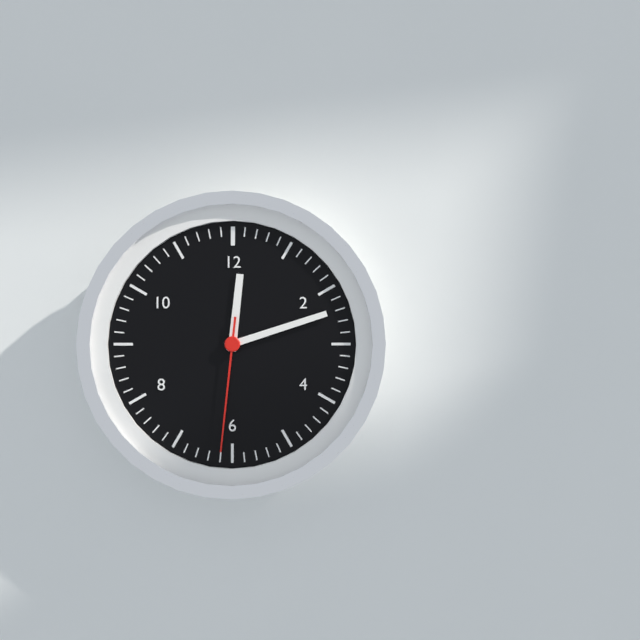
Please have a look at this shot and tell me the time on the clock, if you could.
12:12:31
